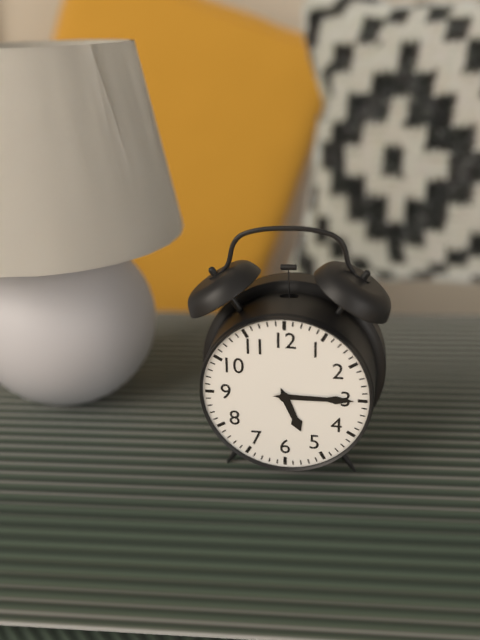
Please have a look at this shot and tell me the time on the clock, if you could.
5:15
